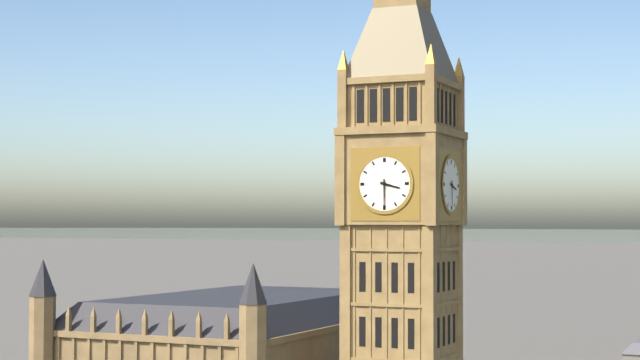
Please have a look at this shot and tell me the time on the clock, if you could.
3:30
